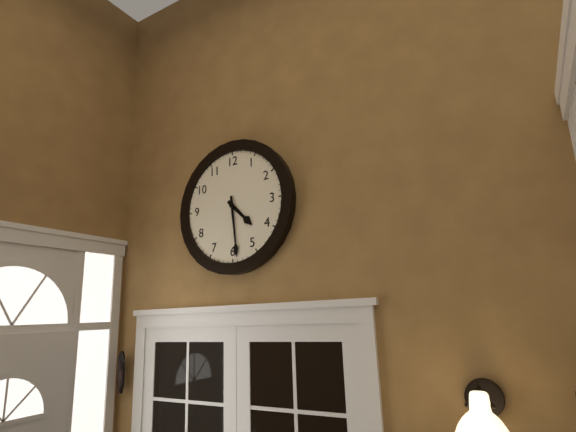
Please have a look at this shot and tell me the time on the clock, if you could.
4:29
